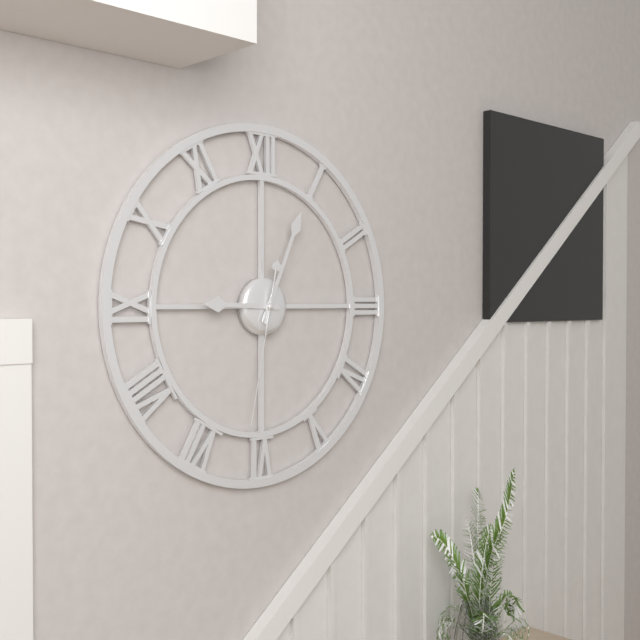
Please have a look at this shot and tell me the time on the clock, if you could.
9:04:32
